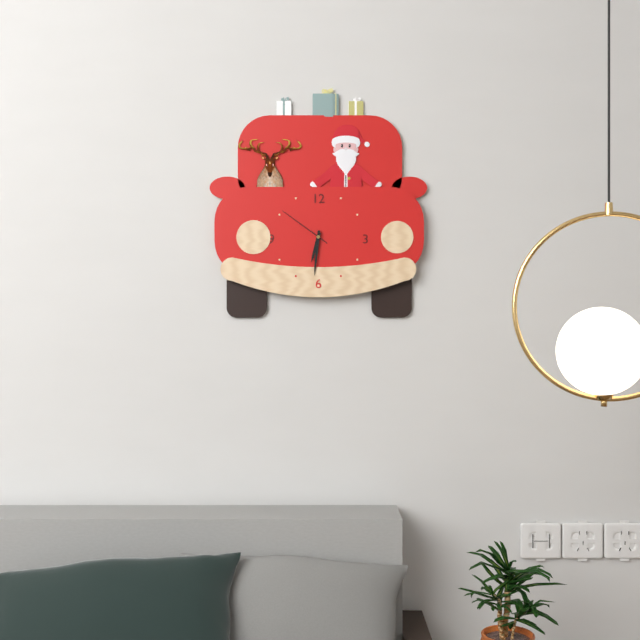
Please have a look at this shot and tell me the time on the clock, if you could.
6:31:51
